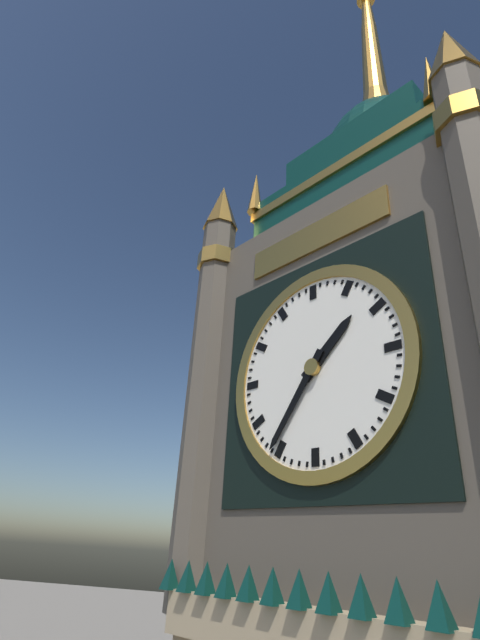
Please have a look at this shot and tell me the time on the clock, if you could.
1:36
